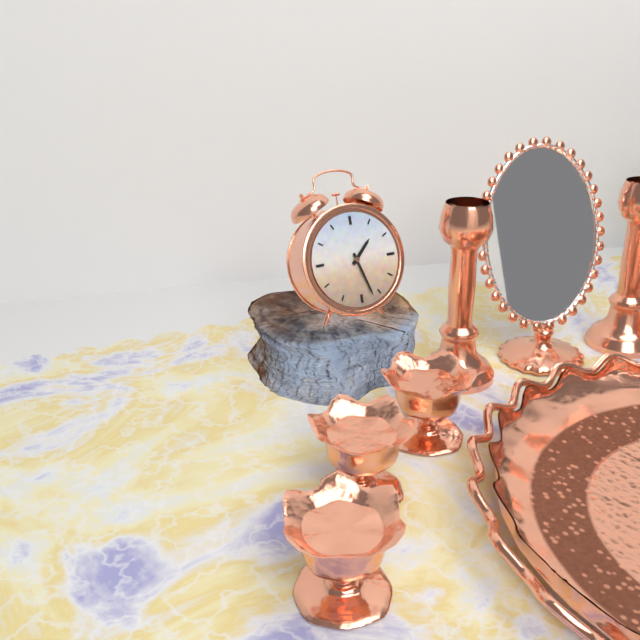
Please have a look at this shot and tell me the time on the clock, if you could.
1:27
